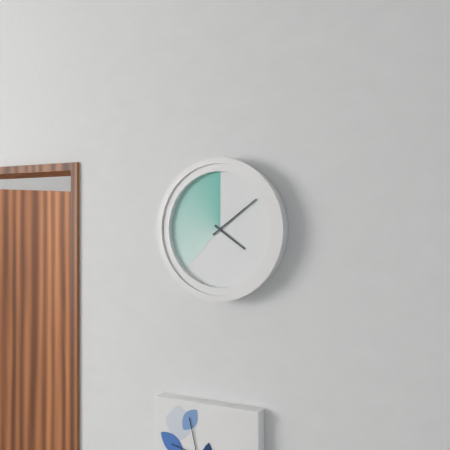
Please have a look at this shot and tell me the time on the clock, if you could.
4:09
